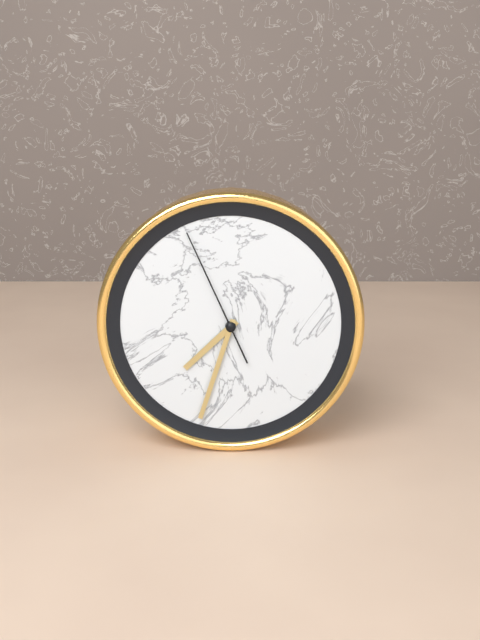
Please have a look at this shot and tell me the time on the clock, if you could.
7:33:56
